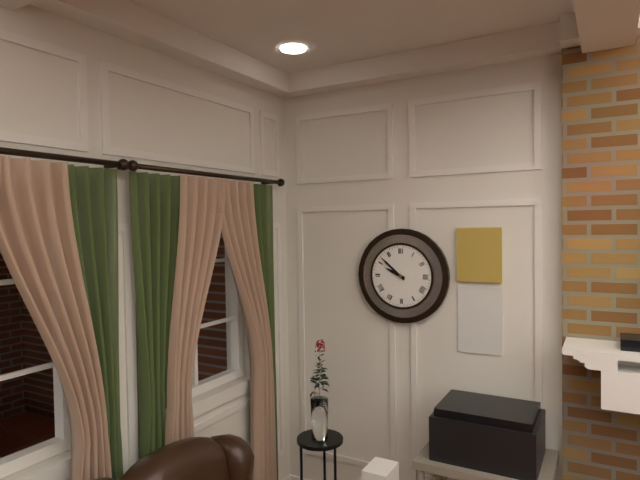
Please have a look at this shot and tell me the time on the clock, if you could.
9:52
